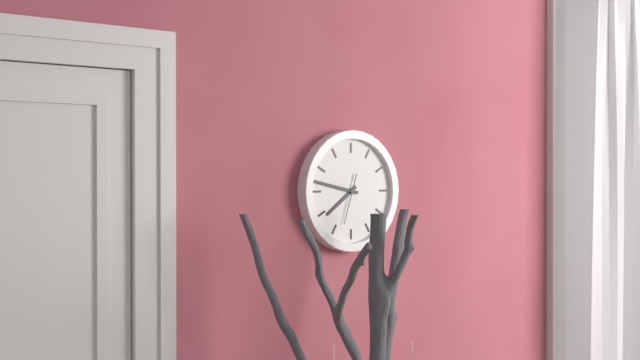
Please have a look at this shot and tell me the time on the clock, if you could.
7:47
